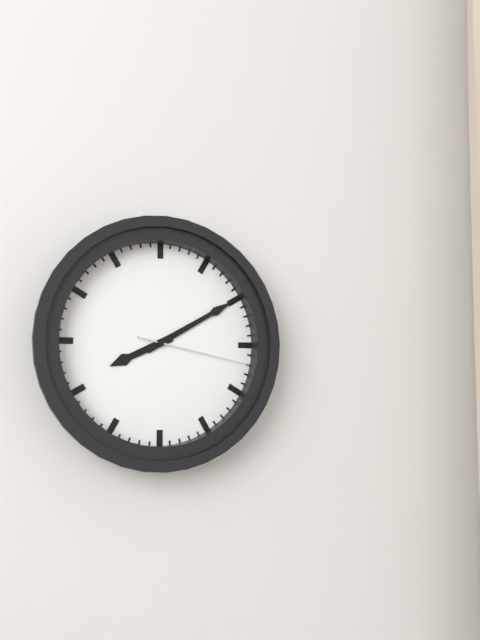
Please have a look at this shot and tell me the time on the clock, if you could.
8:10:17
